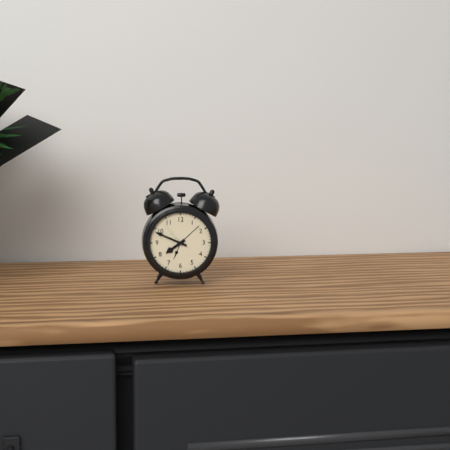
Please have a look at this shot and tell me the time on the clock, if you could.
7:49
